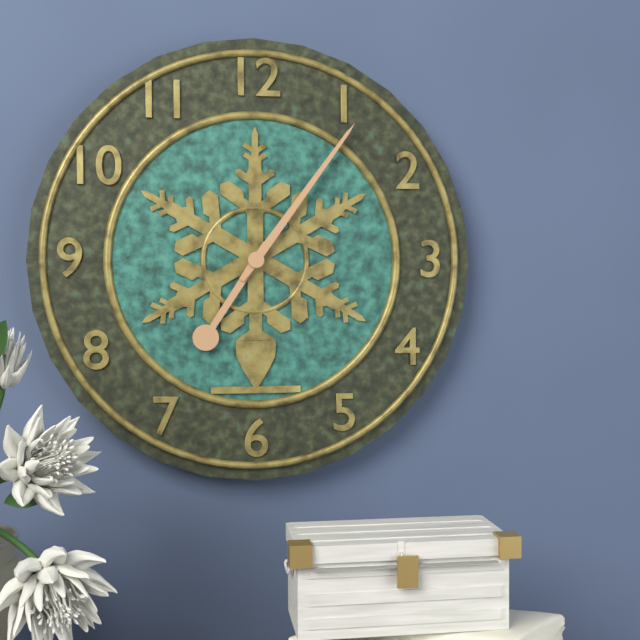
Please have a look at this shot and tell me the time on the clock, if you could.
7:06
